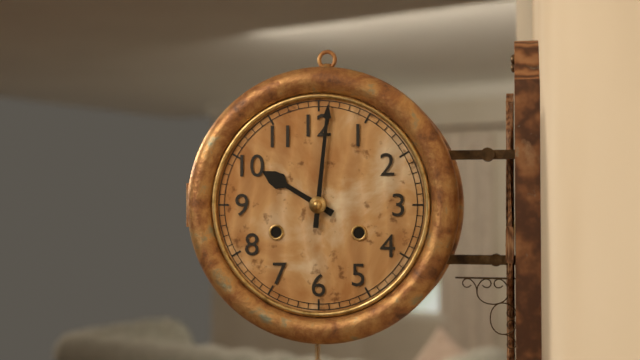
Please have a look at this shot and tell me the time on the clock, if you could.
10:01
